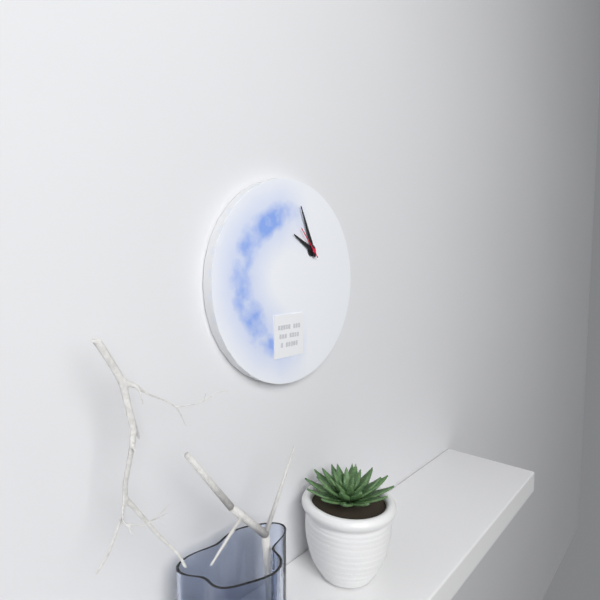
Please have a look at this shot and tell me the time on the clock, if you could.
9:56
